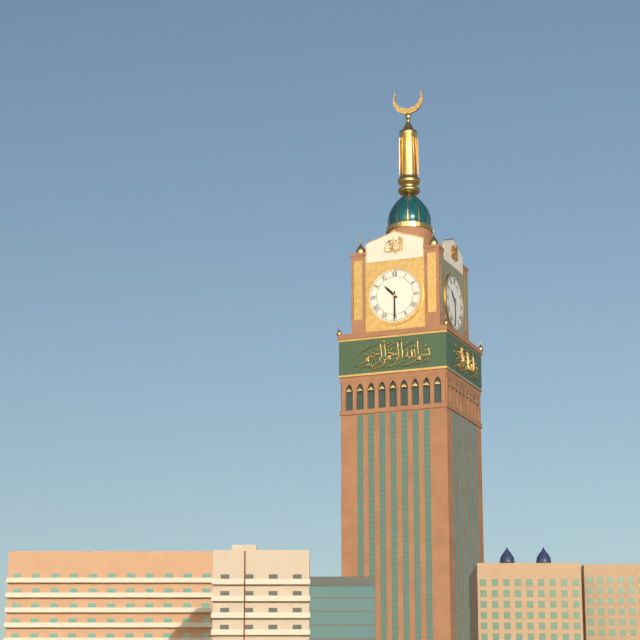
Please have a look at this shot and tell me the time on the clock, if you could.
10:30
